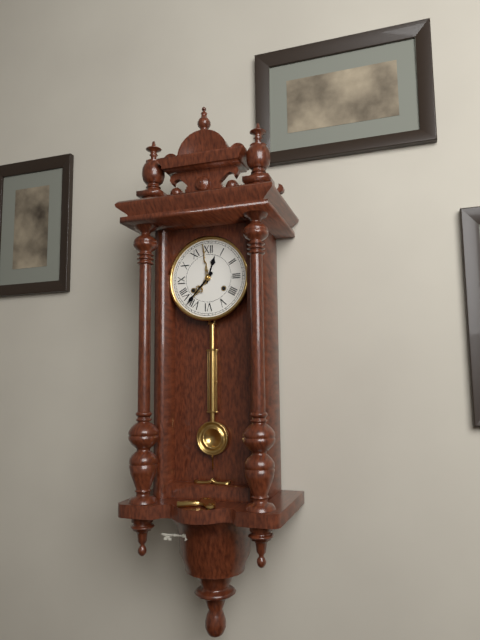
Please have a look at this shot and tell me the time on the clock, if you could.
12:37
